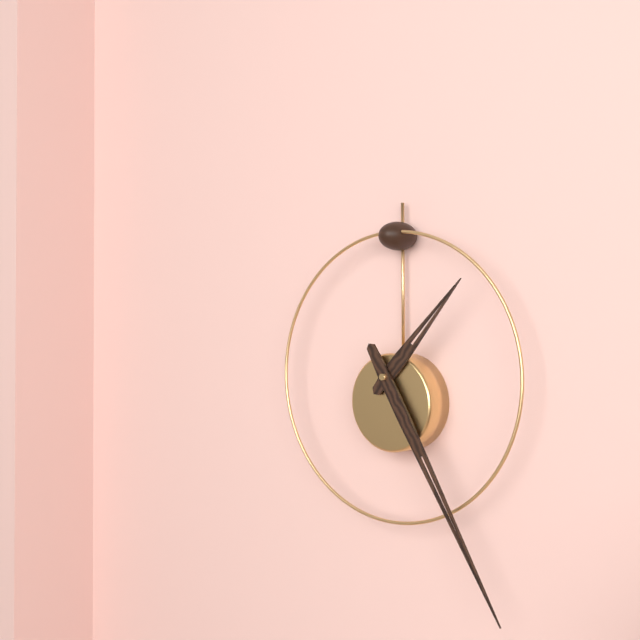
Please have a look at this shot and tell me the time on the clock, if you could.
1:25
